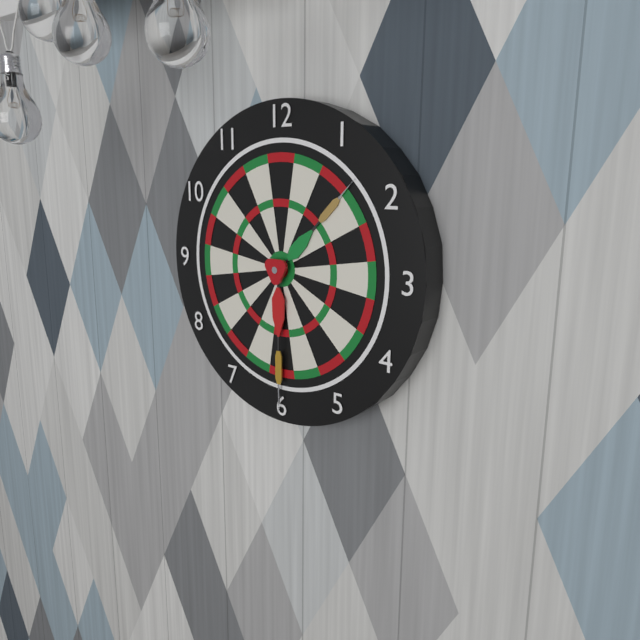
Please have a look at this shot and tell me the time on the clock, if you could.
1:30
